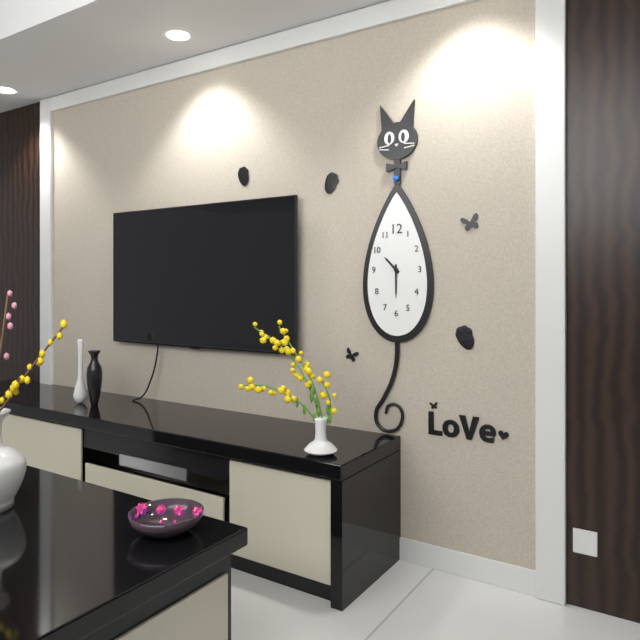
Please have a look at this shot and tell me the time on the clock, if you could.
10:30
